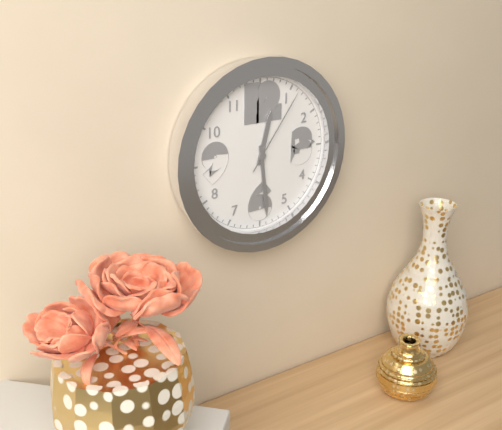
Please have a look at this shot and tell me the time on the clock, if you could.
12:29:06
